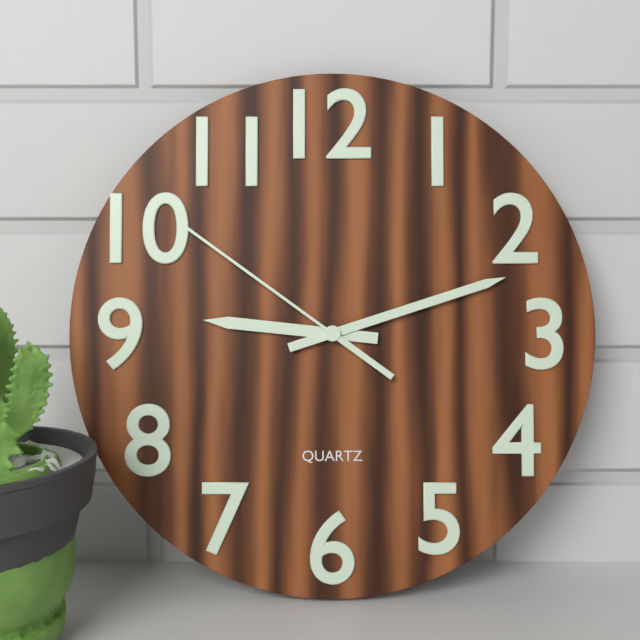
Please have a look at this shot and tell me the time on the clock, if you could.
9:12:51
